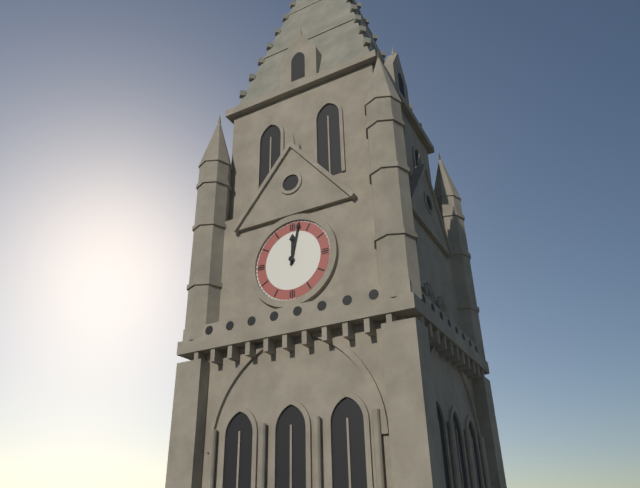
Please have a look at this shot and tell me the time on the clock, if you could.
12:02
